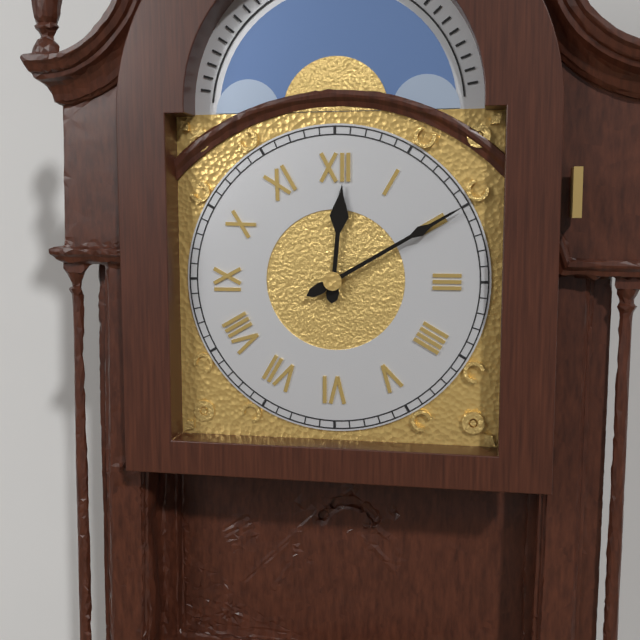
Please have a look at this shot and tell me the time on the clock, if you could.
12:10
